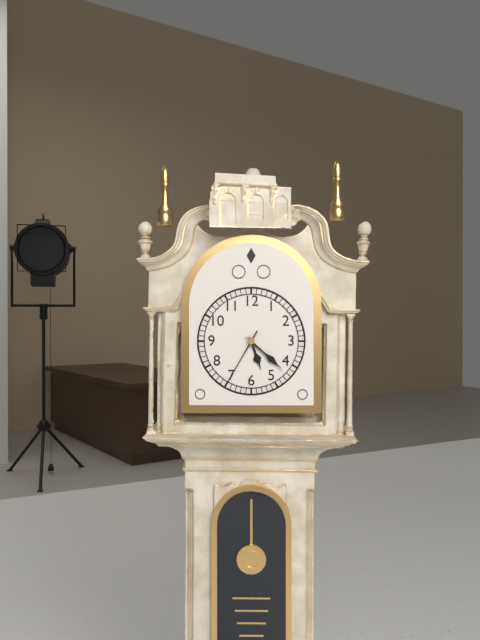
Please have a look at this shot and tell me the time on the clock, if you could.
5:22:35
